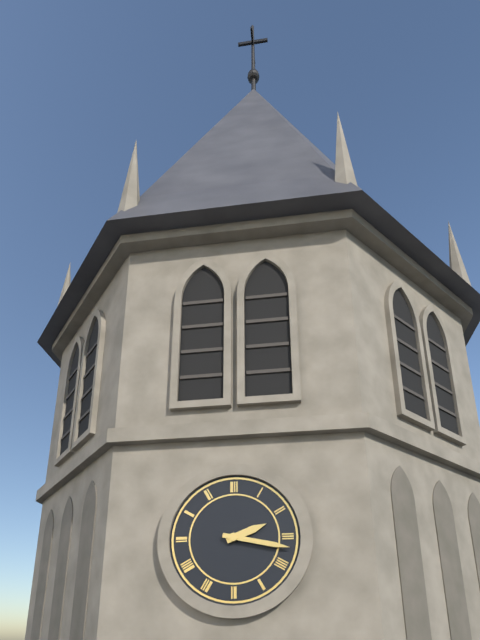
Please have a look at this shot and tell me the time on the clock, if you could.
2:17
